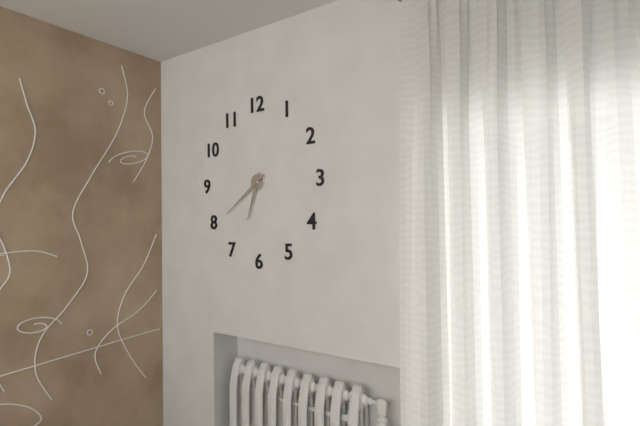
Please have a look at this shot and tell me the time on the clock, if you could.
6:39
